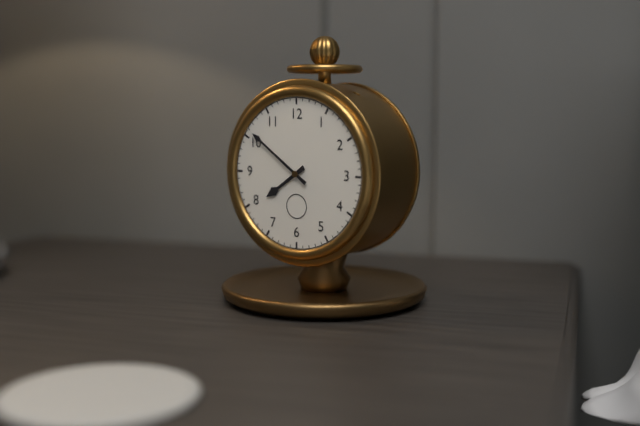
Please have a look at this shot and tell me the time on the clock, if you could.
7:51
